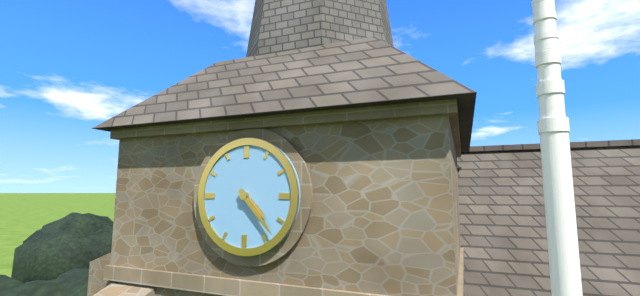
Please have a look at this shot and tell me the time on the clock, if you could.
4:23
